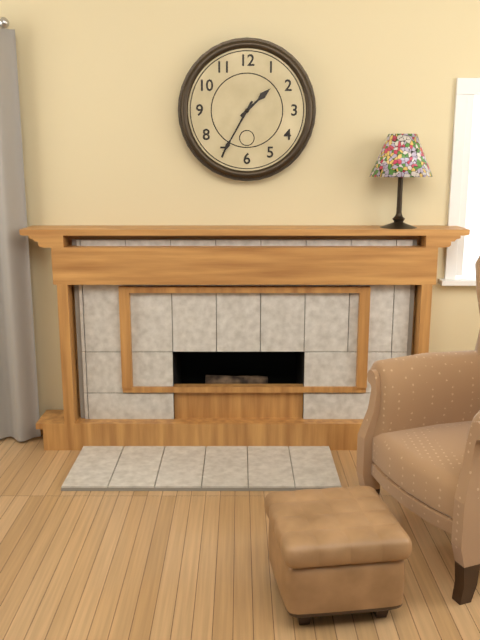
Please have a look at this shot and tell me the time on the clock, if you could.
1:35
